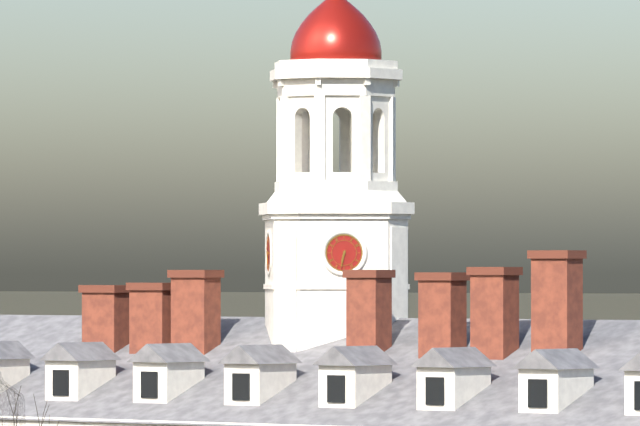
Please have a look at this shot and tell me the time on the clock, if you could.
6:32
